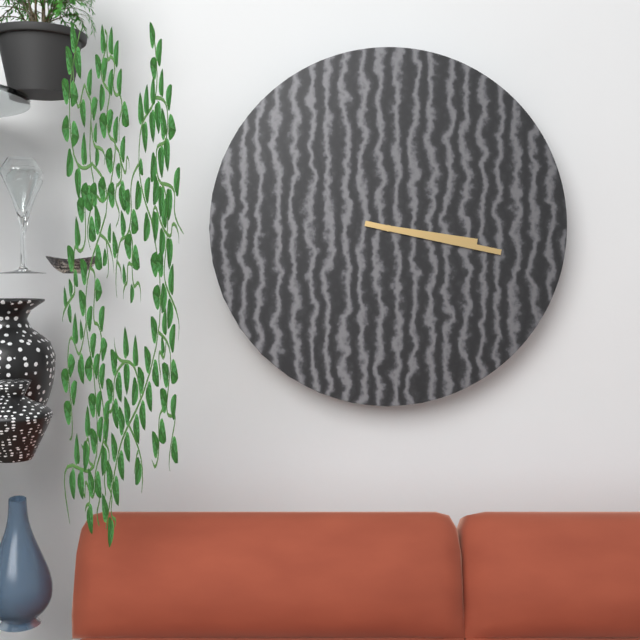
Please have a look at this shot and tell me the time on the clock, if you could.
3:17
